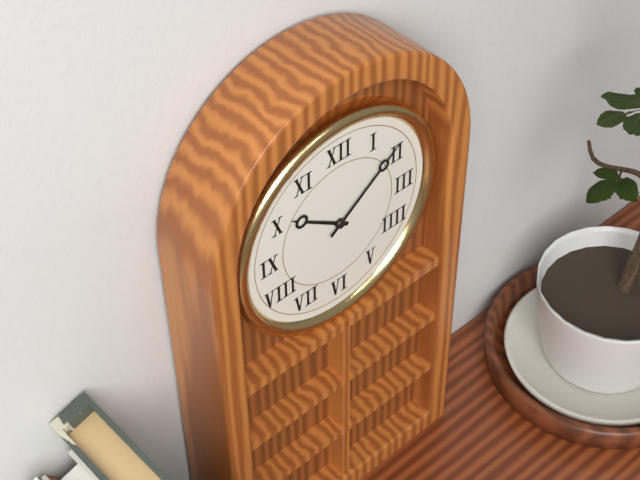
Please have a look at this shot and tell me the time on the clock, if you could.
10:09
